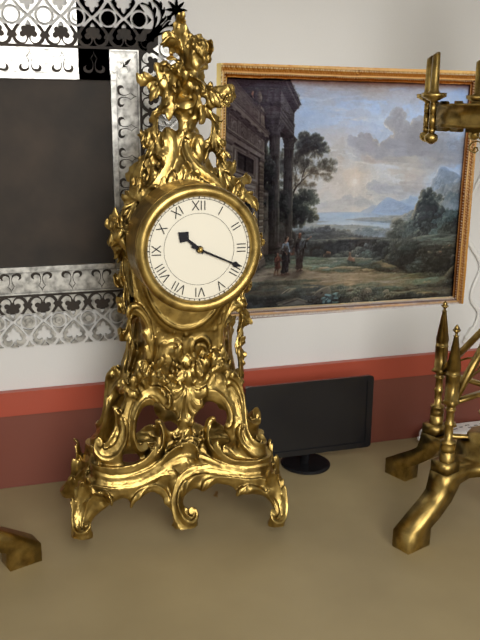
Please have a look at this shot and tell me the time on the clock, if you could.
10:19
